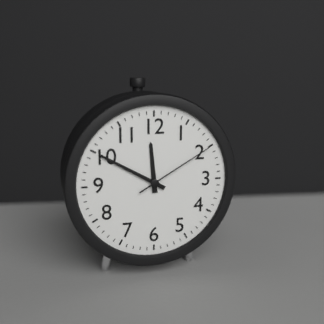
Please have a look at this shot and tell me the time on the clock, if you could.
11:50:10
